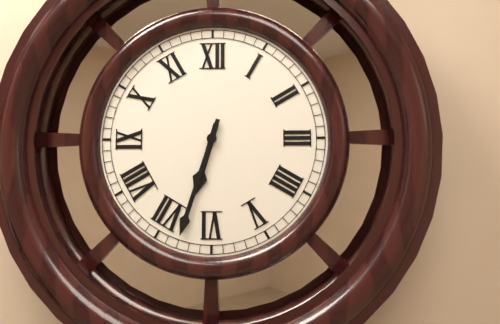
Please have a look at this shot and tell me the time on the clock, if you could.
6:33
